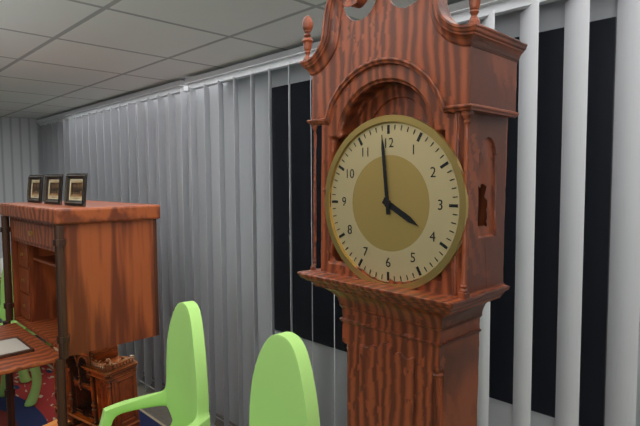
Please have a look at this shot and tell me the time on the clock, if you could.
3:59
